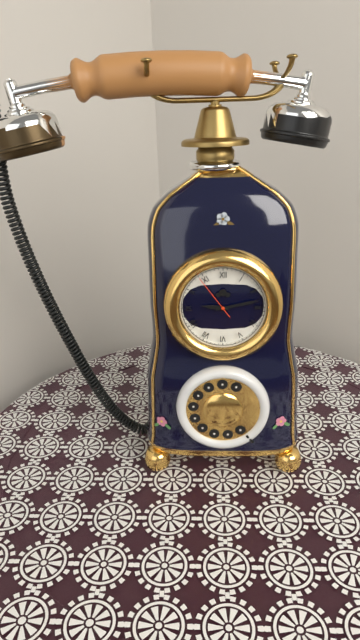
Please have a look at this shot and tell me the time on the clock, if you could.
9:13
